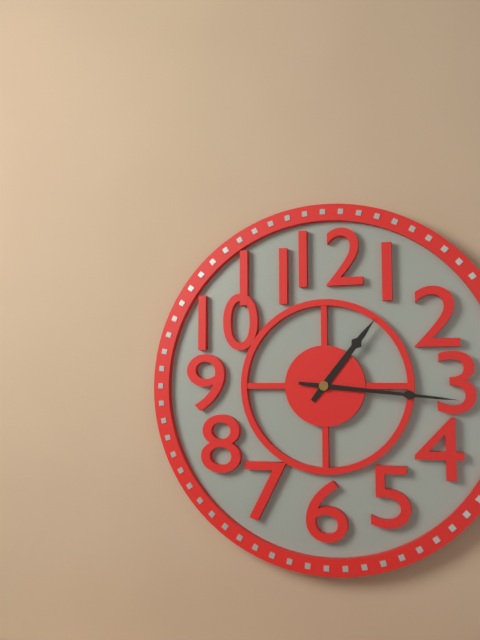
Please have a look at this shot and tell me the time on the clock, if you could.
1:16
